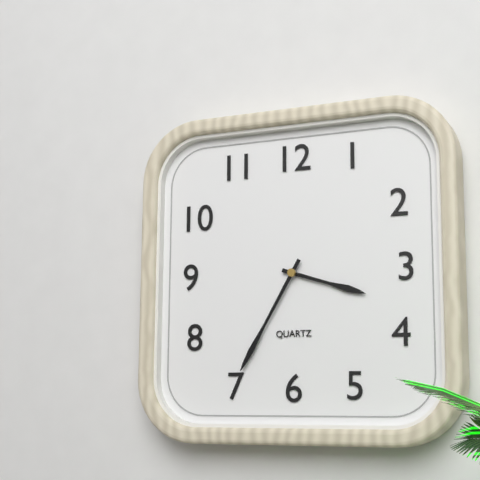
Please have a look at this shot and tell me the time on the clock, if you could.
3:35
